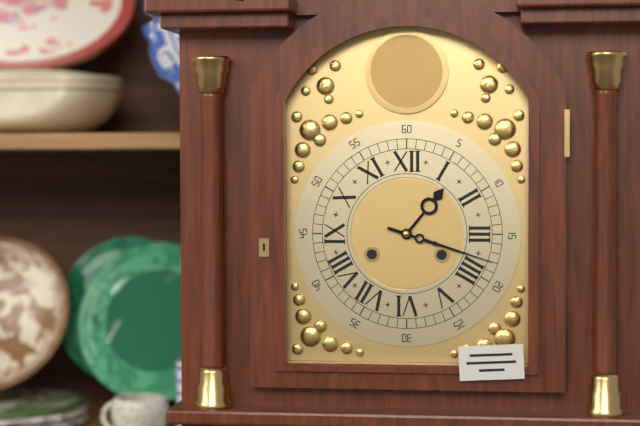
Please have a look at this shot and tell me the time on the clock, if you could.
1:18
